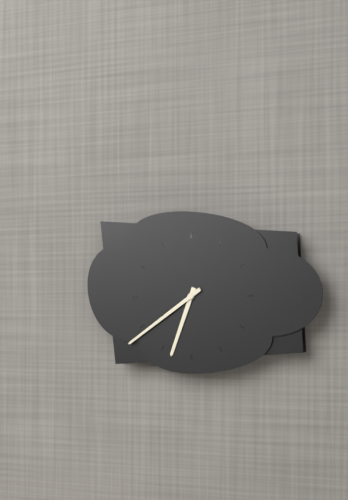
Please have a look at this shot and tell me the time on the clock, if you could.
6:39
